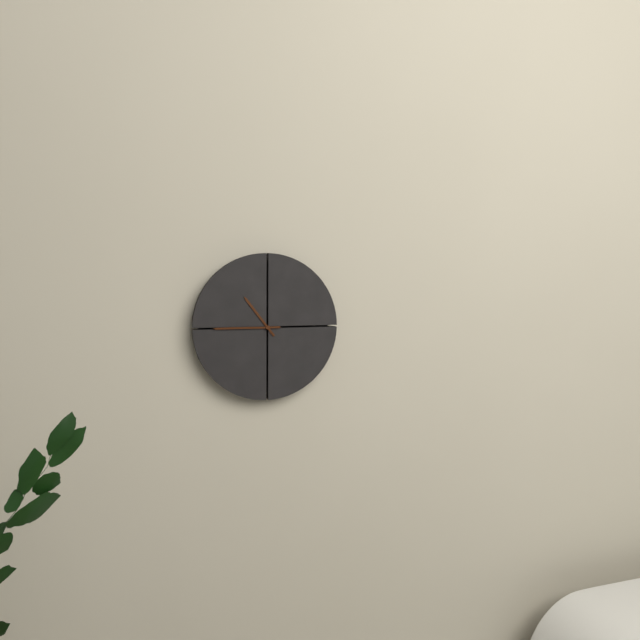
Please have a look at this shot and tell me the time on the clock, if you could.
10:45
